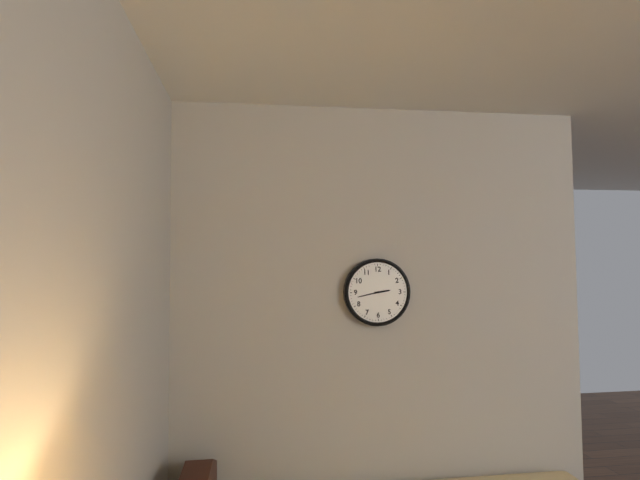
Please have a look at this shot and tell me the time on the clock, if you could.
2:43
